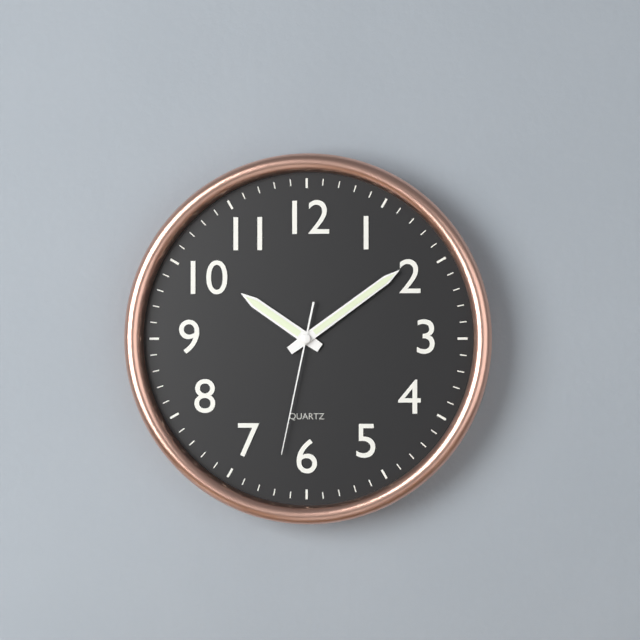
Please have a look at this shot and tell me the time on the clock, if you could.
10:09:32
